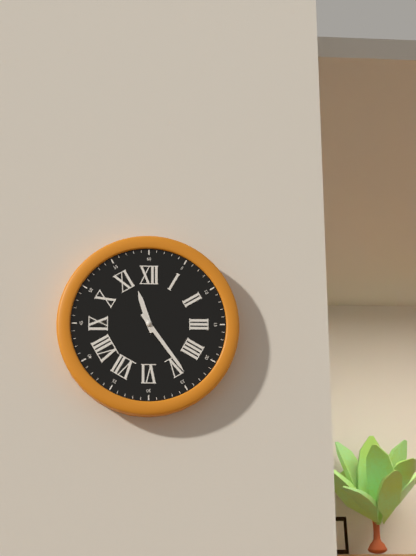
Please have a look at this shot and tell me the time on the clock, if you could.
11:24
